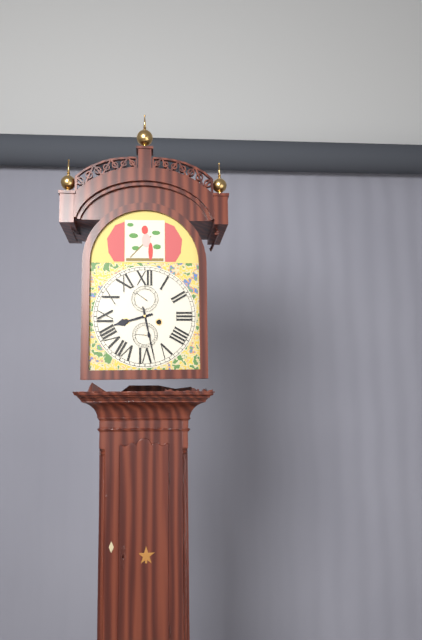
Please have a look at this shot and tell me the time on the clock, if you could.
8:28
